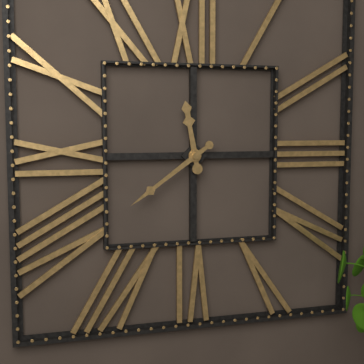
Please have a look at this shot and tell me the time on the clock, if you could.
11:39
